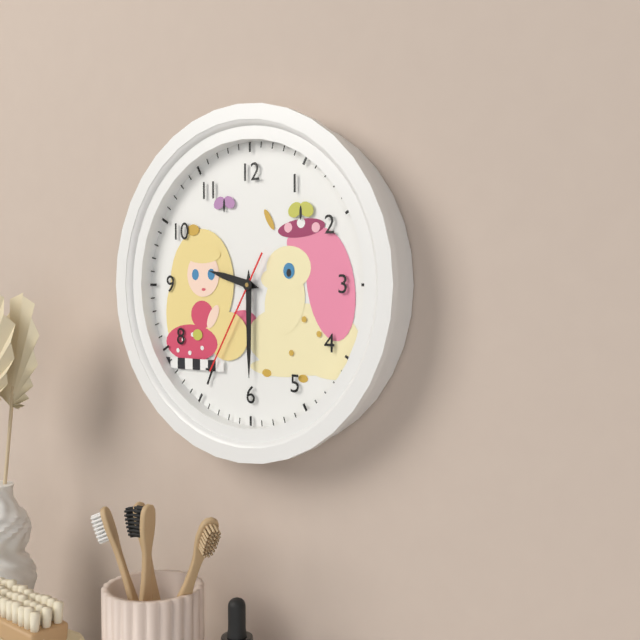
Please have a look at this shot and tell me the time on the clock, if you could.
9:30:35
